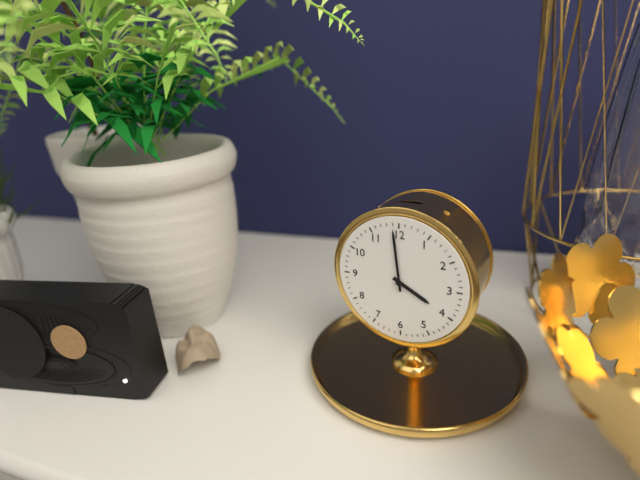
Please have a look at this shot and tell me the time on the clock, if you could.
3:59
